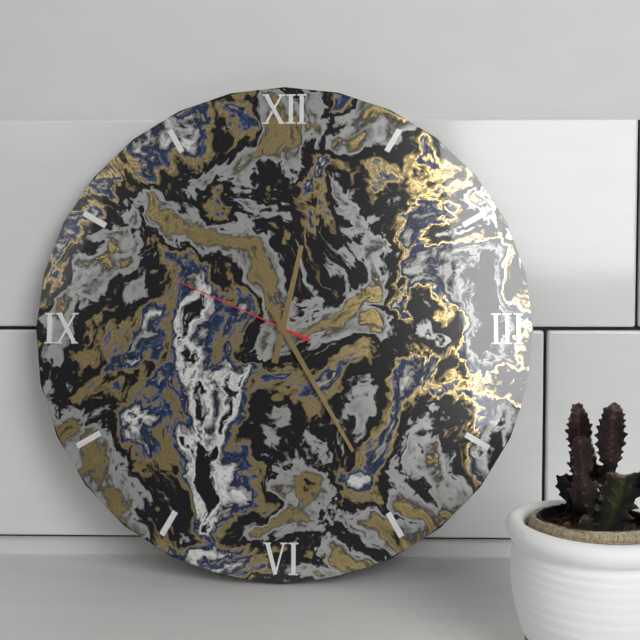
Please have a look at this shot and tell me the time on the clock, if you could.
12:25:49
